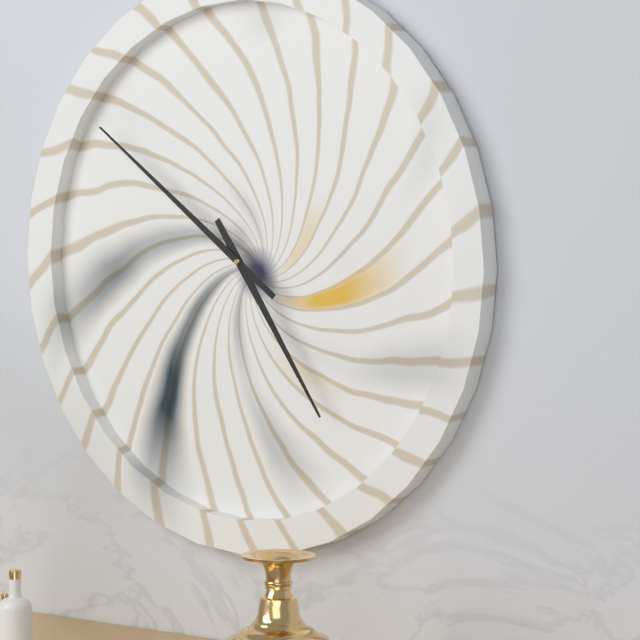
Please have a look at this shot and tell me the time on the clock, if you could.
4:51
